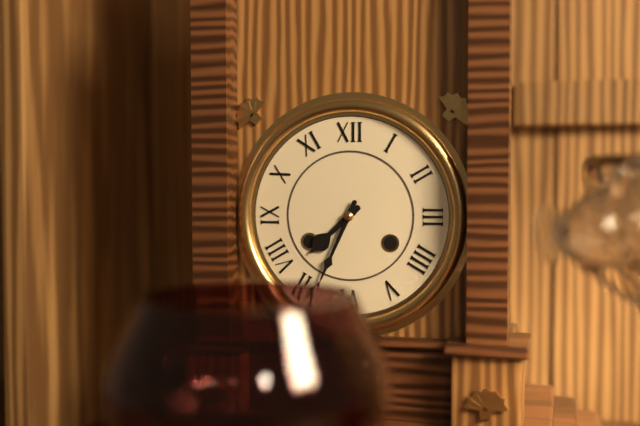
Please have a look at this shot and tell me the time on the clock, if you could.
7:34
